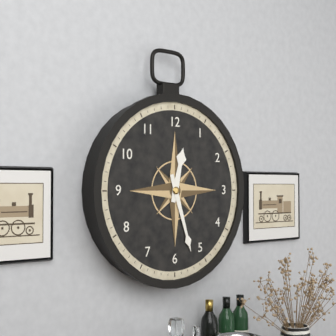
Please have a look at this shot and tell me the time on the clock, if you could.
12:27
